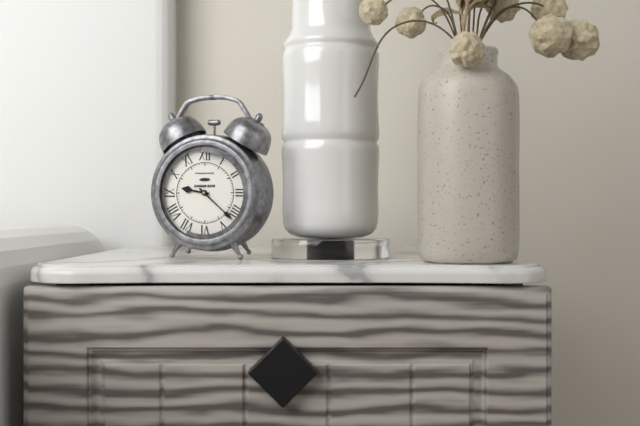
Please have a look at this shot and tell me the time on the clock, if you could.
9:22
